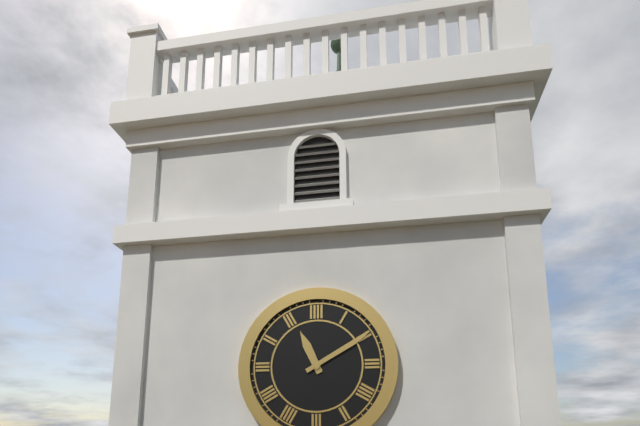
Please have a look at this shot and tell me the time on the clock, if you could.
11:10
